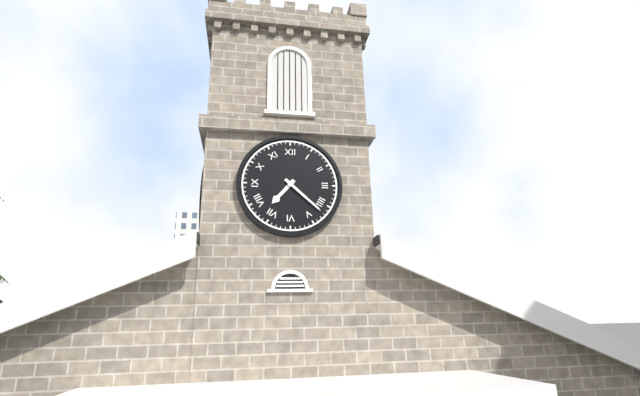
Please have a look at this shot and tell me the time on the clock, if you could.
7:22
